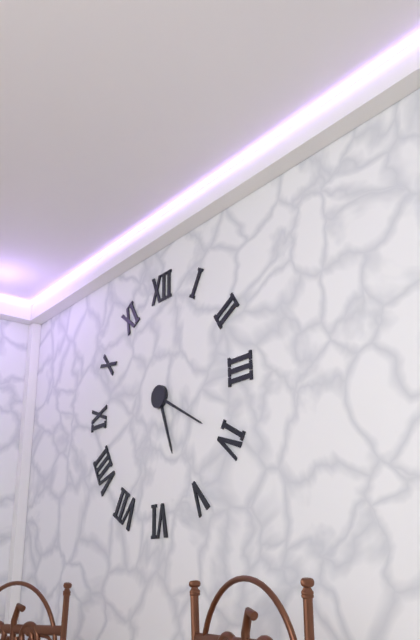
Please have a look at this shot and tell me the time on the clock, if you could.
5:20
